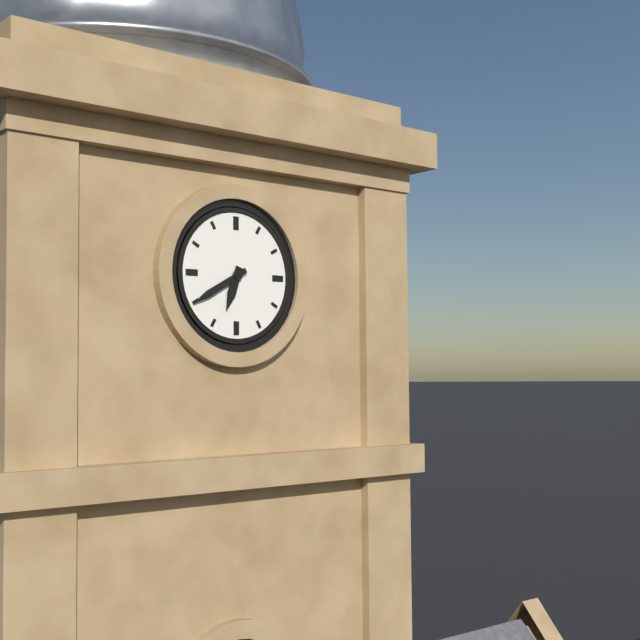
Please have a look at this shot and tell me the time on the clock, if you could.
6:40
